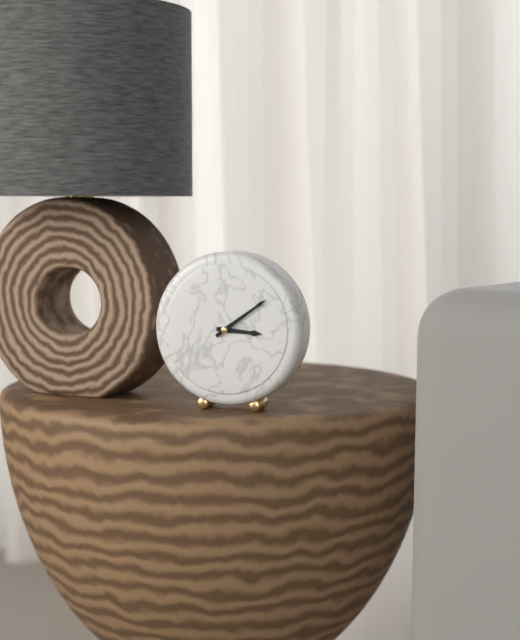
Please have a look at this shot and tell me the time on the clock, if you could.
3:09
